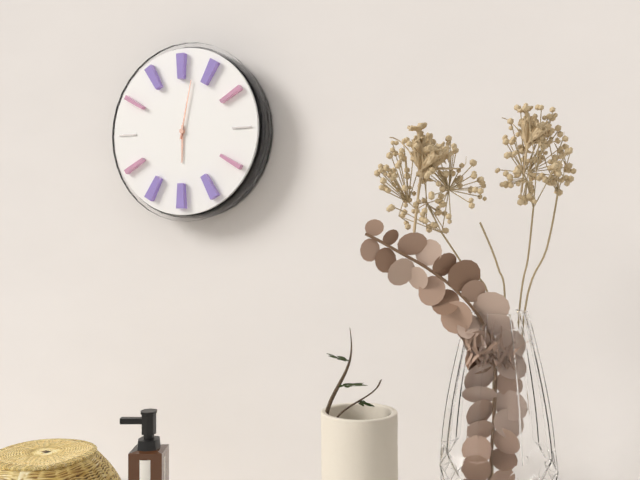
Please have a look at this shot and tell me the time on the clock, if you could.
6:02
